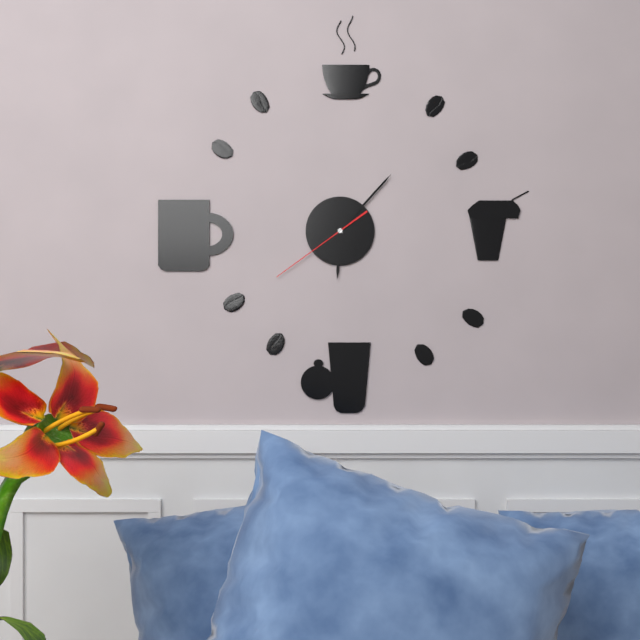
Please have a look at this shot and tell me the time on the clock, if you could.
6:07:39
